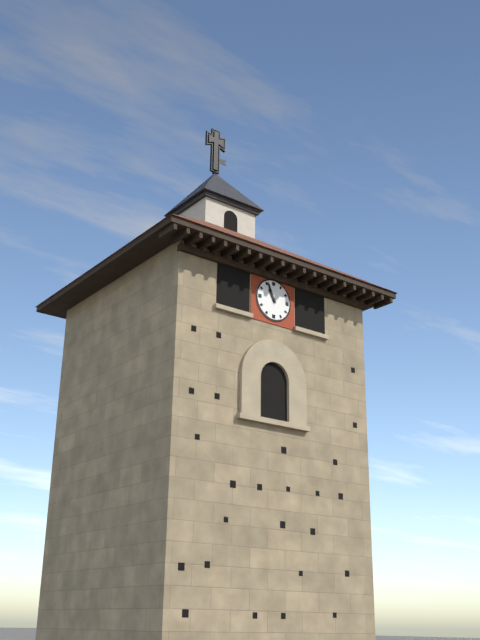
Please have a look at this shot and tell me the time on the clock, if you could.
10:56
